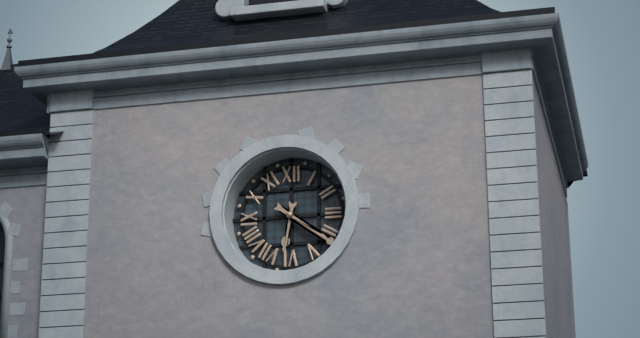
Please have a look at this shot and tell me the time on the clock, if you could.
6:21
